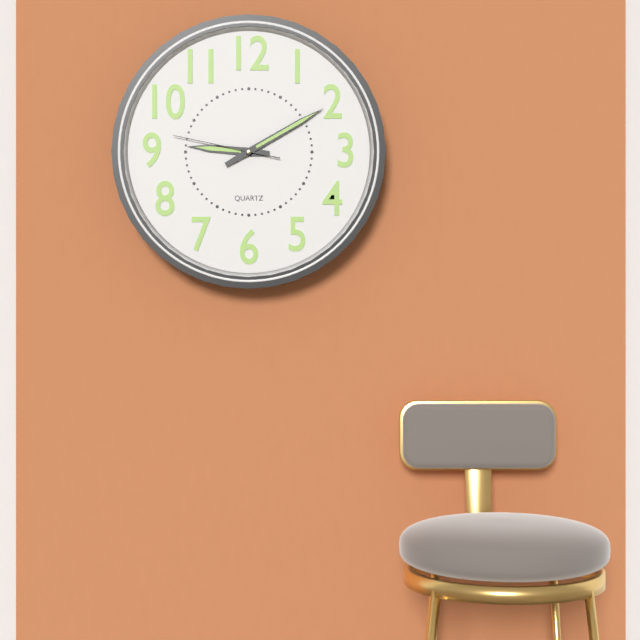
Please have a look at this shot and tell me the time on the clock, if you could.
9:10:47
